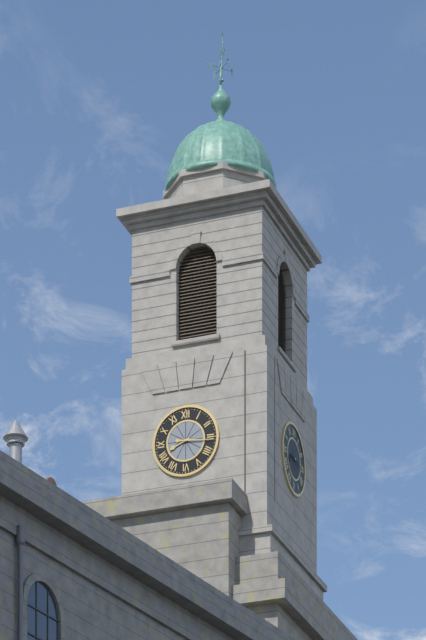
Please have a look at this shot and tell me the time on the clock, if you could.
8:16
